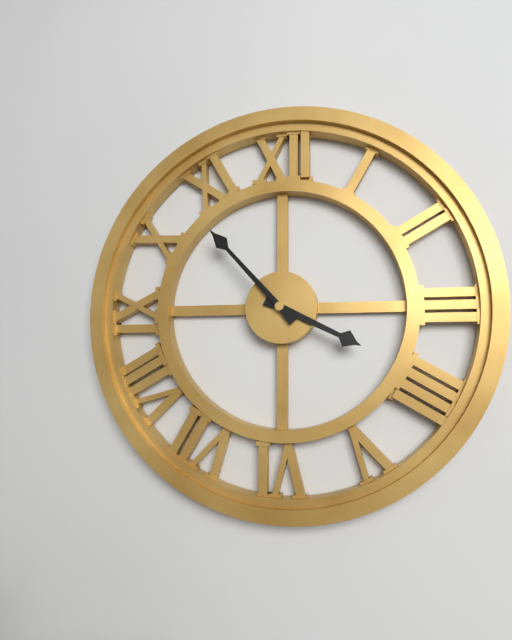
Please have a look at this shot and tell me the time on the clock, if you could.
3:53
